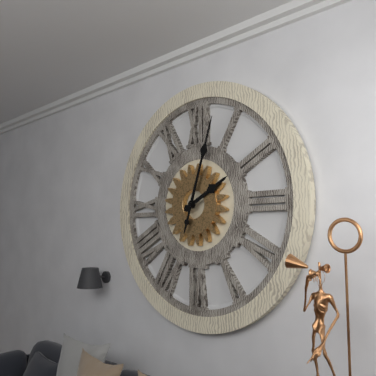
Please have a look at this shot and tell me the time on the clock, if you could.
2:03
